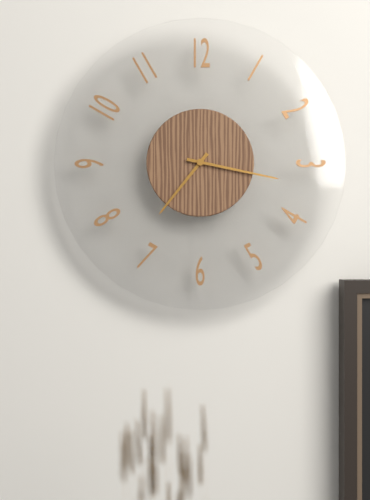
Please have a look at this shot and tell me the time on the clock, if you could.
7:17
